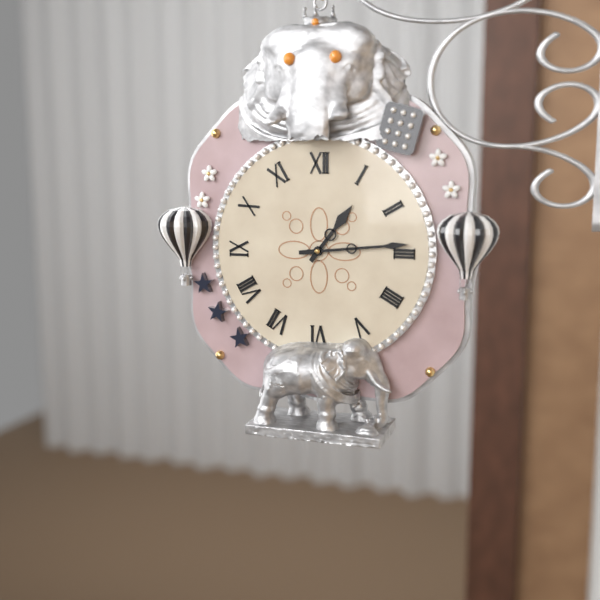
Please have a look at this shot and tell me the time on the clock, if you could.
1:14
